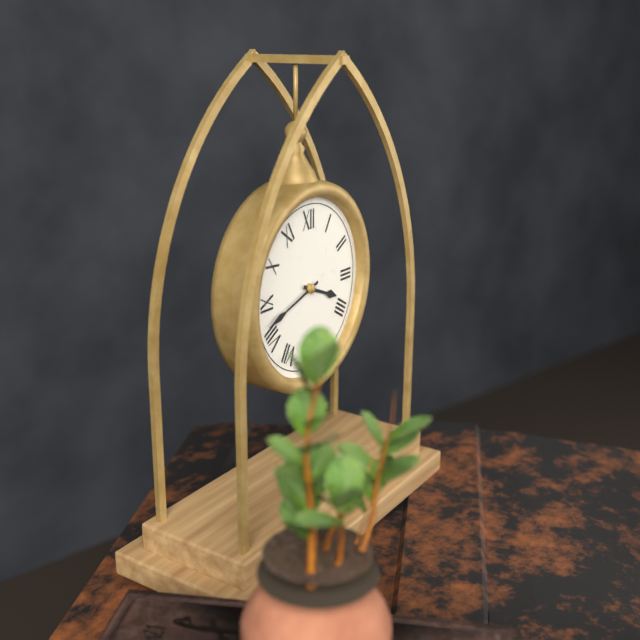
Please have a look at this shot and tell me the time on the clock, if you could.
3:42
